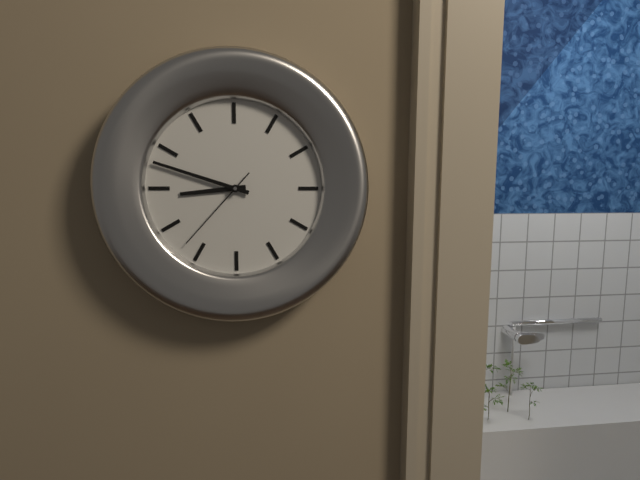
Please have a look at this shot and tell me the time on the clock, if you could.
8:48:37
